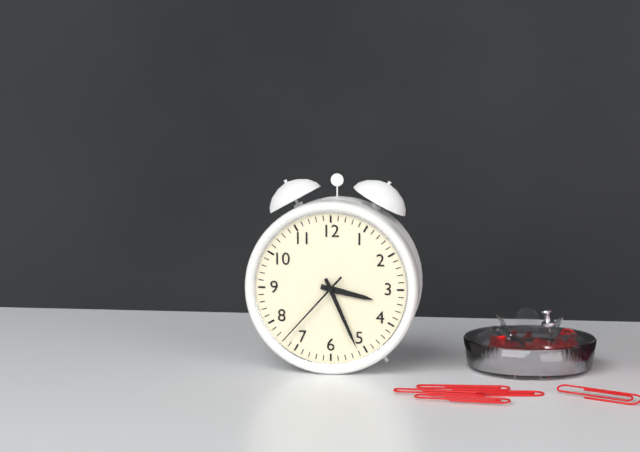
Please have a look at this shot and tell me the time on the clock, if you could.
3:26:37
